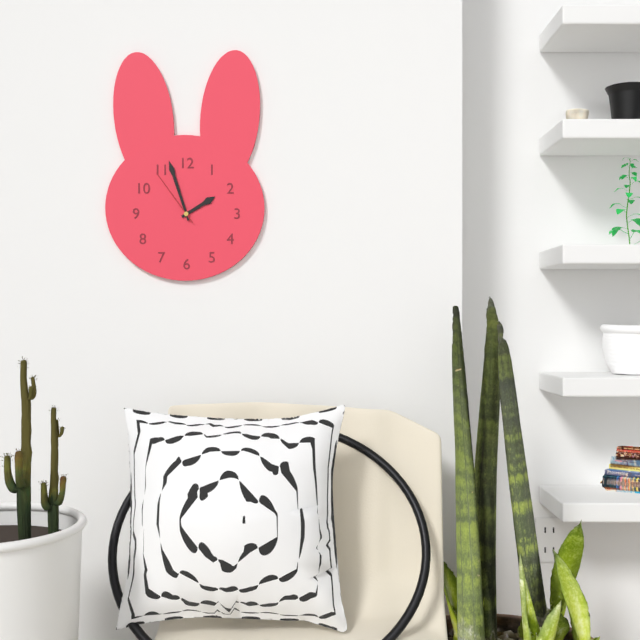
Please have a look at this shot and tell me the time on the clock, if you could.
1:57:54
